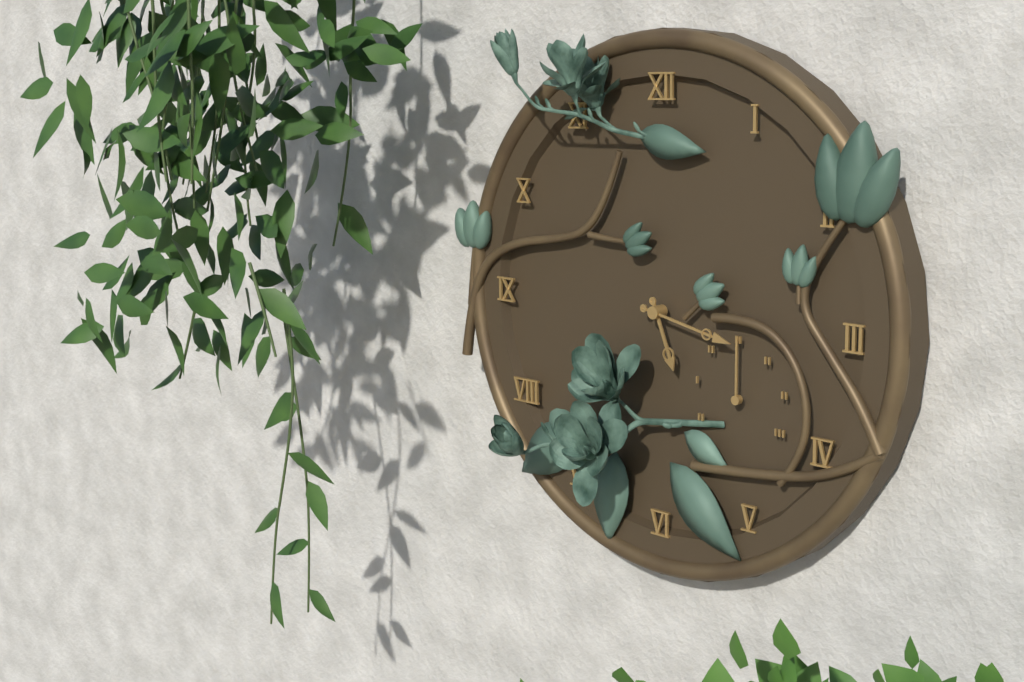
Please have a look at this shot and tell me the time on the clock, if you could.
5:17
